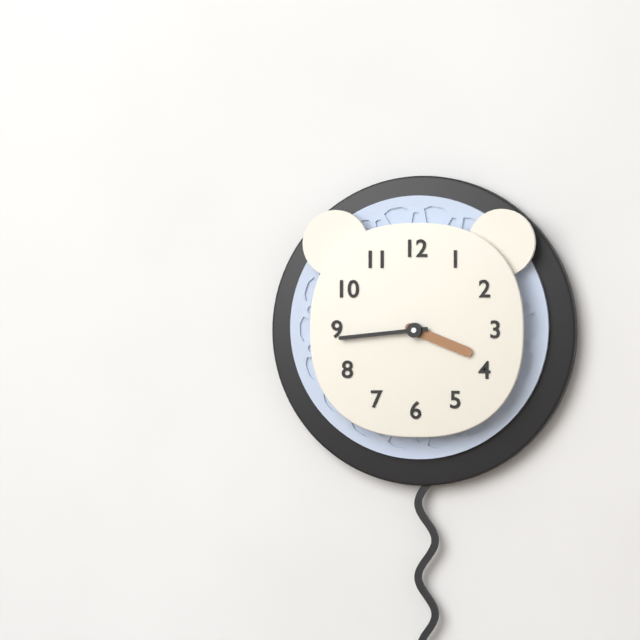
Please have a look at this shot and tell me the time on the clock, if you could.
3:44
